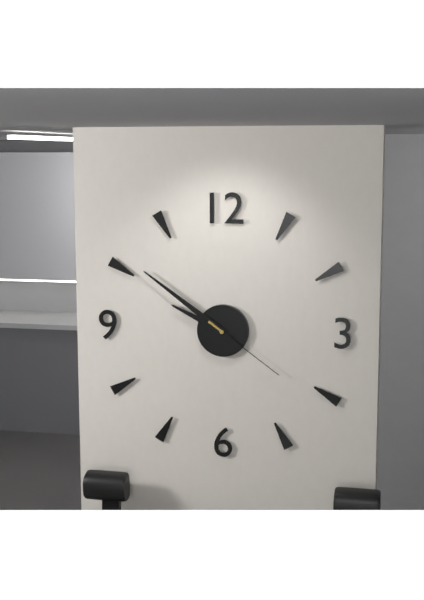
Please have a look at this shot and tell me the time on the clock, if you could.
9:51:21
